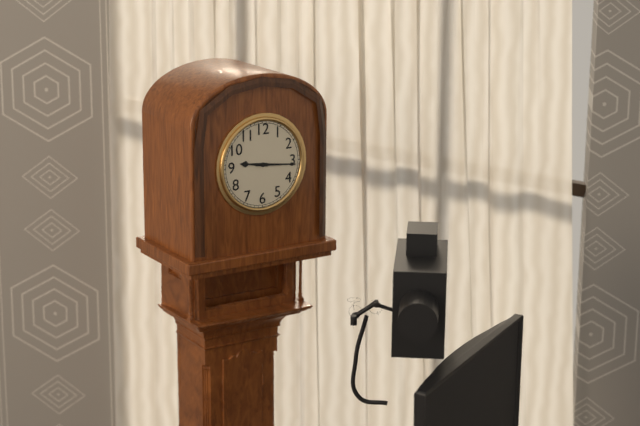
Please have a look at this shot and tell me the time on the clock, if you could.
9:16
